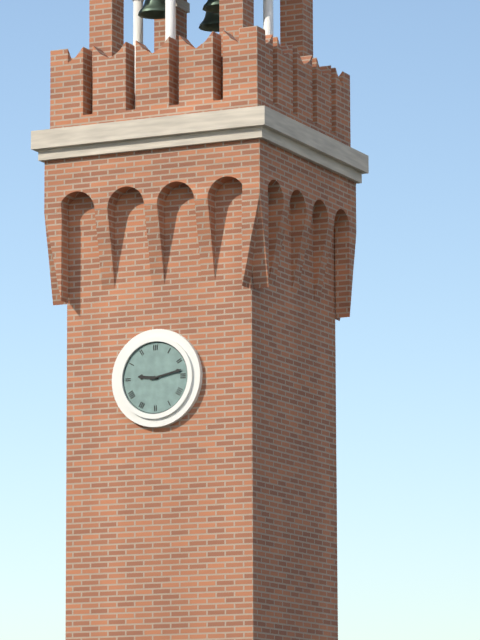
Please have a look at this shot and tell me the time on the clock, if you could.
9:13
